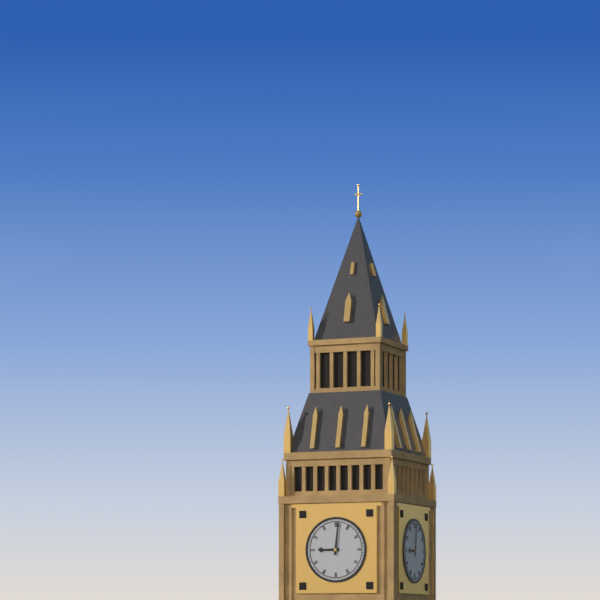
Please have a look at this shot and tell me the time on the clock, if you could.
9:01
